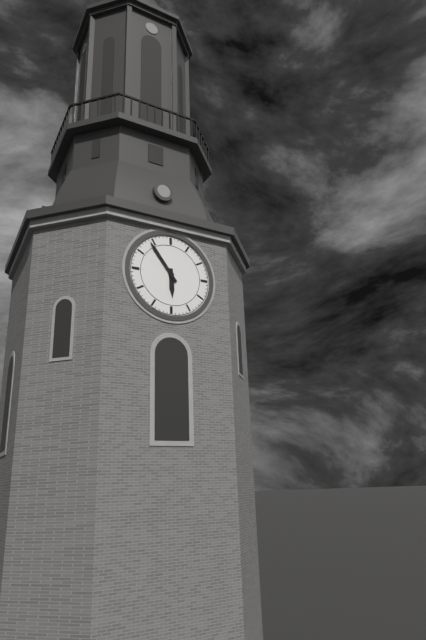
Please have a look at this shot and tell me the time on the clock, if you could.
5:54
